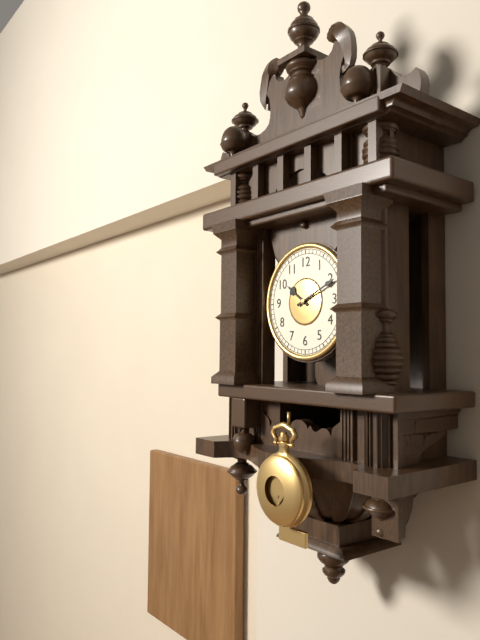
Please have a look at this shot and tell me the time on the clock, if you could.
10:11
